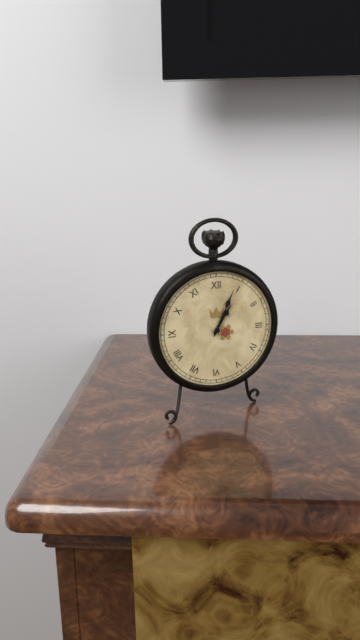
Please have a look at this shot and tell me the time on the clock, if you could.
1:04
